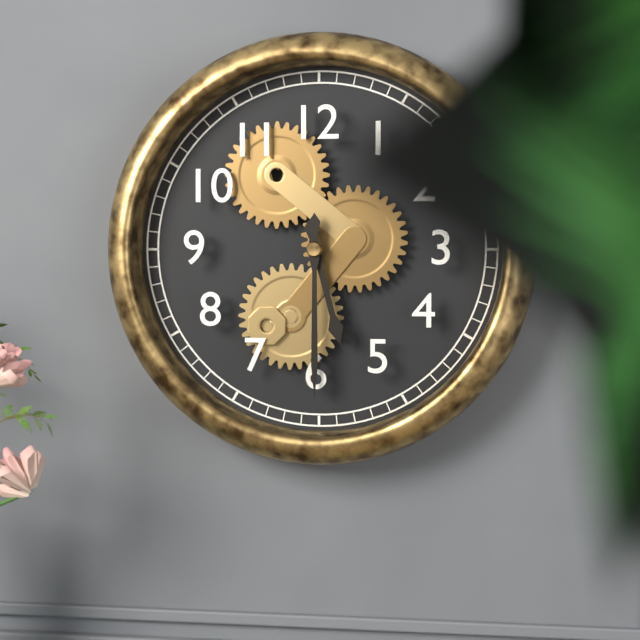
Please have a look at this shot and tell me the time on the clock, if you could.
5:30
